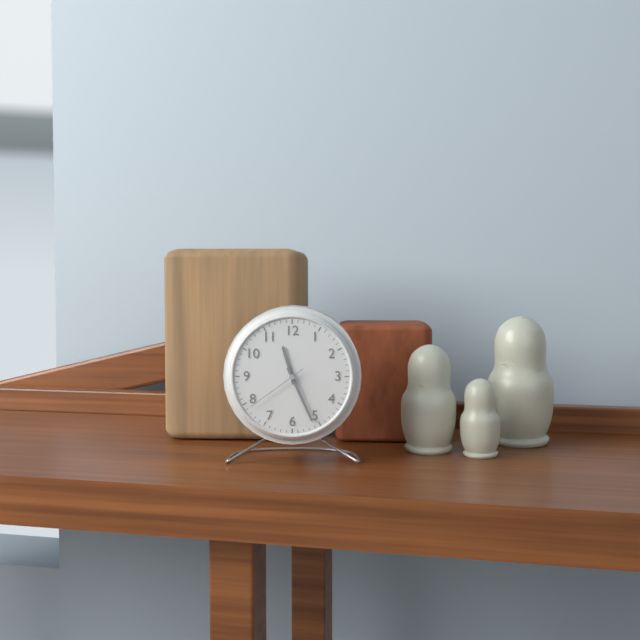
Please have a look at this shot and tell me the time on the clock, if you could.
11:26:39
